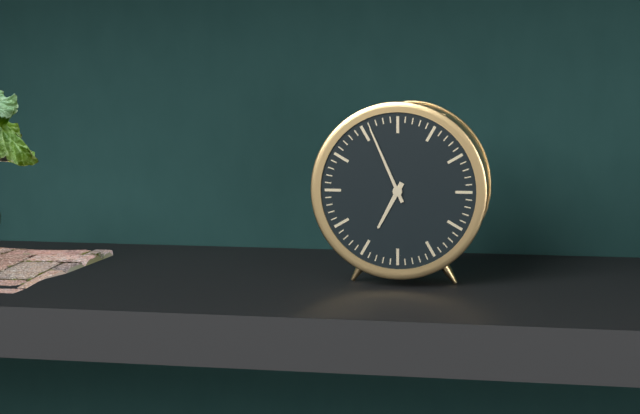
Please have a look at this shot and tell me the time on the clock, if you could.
6:56
